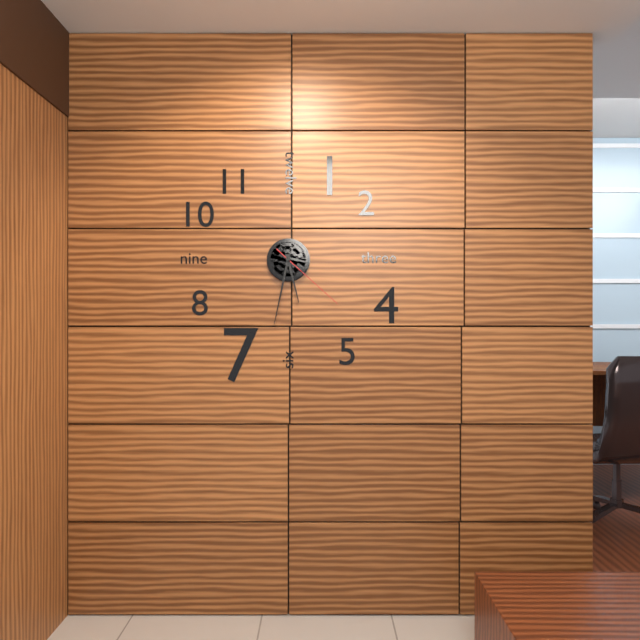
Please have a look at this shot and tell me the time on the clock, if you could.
5:32:22
